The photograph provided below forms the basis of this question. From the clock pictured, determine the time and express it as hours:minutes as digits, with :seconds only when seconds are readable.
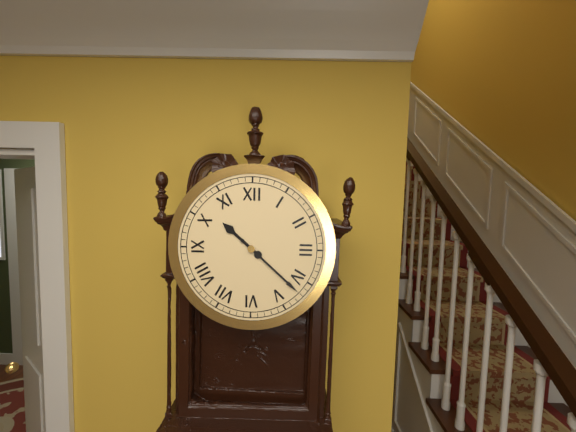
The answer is 10:22
